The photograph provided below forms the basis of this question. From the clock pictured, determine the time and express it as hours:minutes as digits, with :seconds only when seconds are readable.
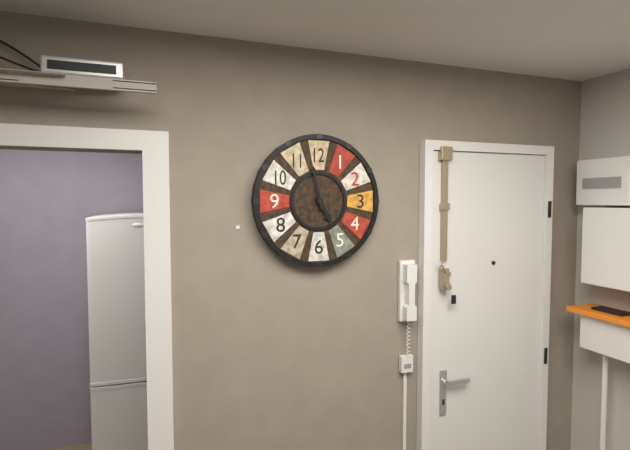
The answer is 4:58
